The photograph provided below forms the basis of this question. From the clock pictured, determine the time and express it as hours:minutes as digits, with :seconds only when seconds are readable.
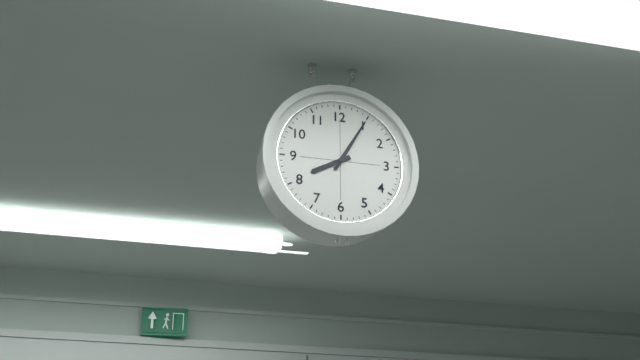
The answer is 8:05
